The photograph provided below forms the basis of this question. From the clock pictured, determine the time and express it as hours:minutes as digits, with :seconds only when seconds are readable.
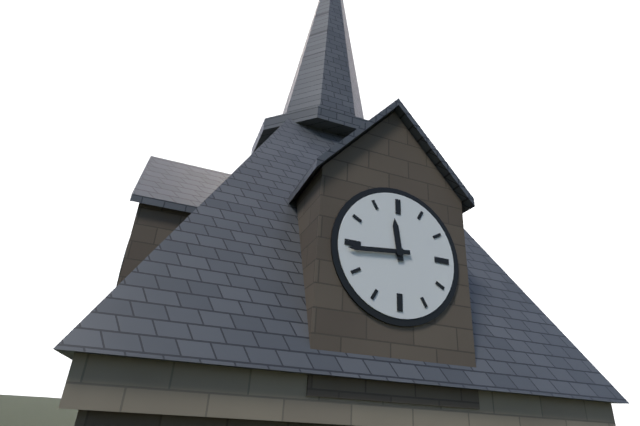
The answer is 11:44
